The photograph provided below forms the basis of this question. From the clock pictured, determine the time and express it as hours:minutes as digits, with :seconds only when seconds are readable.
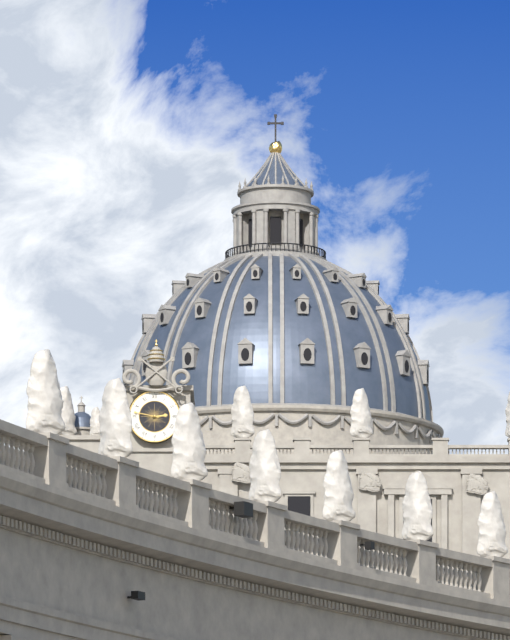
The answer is 2:47
